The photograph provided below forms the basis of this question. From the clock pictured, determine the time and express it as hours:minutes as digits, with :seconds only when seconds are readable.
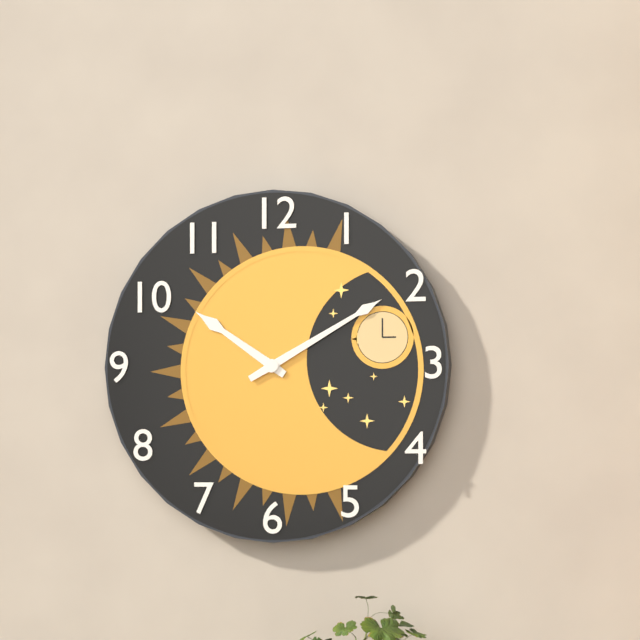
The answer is 10:10
